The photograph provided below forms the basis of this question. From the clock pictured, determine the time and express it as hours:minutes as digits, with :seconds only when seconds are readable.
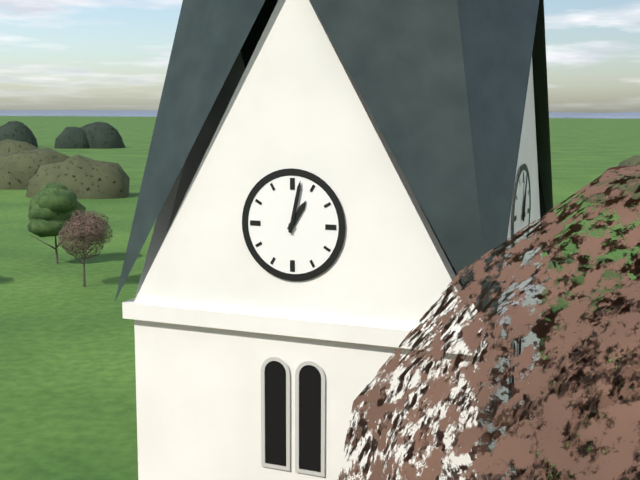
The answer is 1:02
